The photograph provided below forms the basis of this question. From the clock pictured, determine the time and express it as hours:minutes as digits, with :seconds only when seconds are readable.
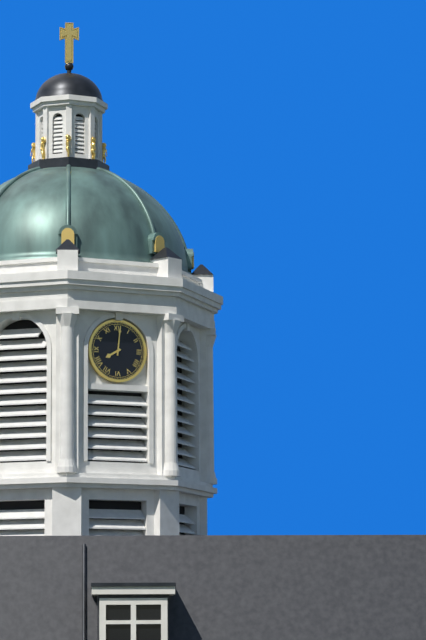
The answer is 8:01
